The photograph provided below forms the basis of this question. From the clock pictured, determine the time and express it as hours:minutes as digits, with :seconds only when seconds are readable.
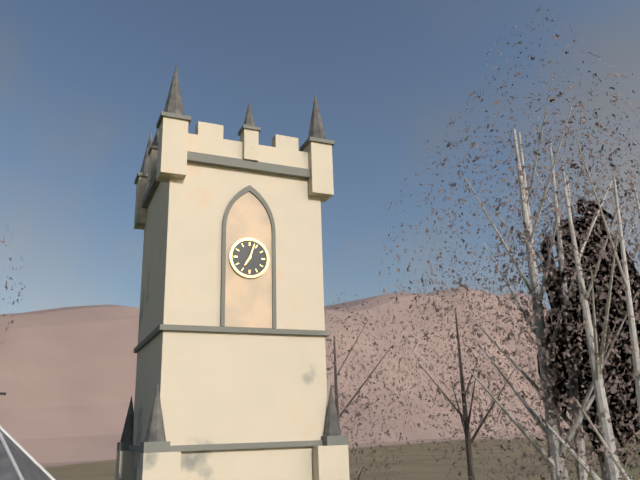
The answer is 7:03
